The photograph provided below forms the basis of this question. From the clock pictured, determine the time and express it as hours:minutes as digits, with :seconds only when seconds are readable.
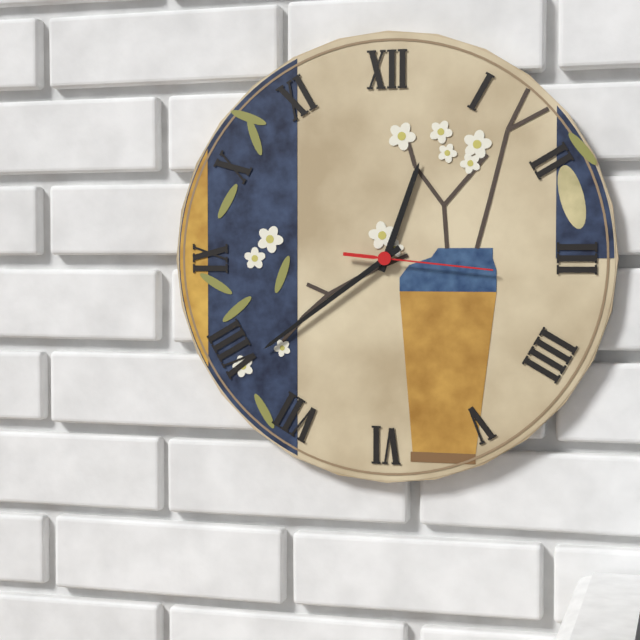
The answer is 12:39:16
